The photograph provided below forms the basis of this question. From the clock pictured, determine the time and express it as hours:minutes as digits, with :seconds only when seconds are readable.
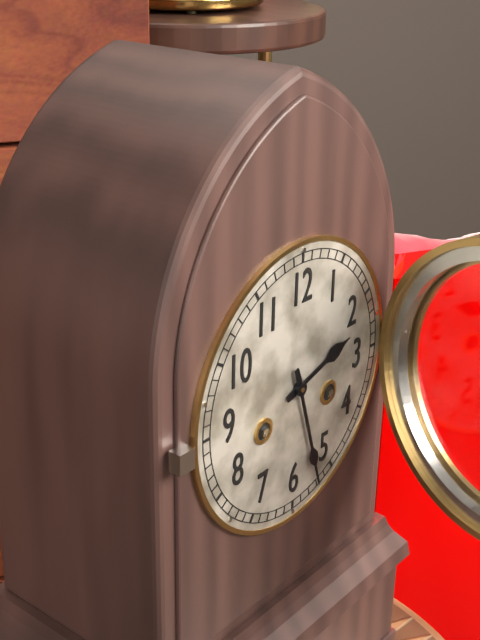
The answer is 2:27
